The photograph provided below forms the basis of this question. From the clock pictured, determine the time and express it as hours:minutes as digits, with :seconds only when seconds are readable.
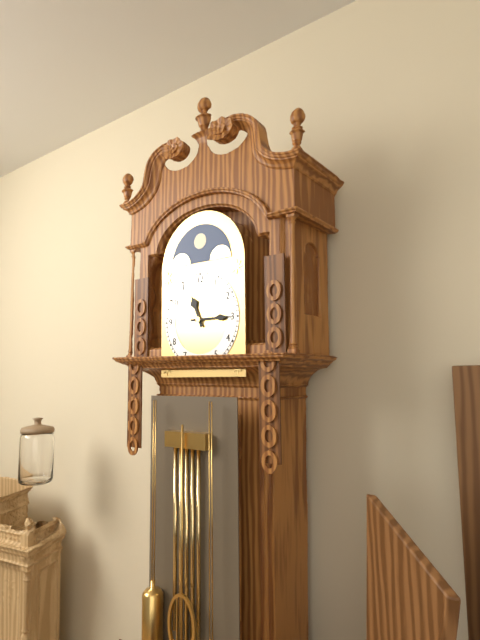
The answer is 11:15
